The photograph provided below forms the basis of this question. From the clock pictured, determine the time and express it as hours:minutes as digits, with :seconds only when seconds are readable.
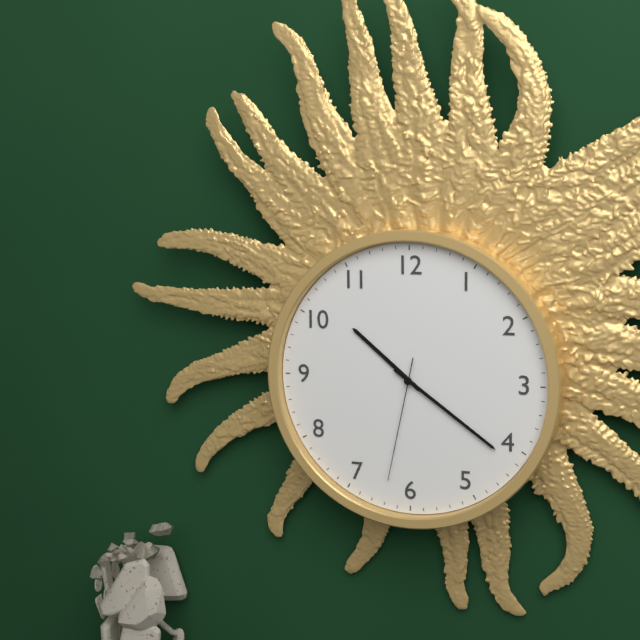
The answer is 10:21:32
